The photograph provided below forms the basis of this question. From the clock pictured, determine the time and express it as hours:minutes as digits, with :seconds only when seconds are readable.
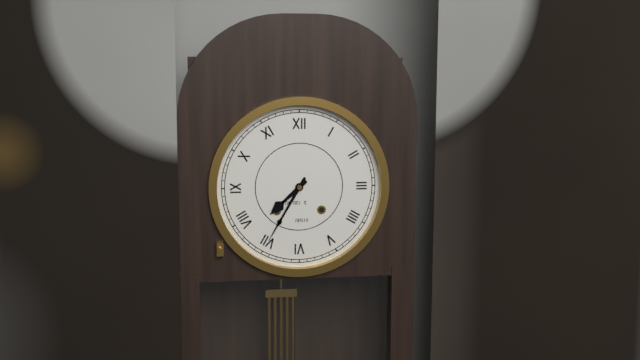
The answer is 7:35
